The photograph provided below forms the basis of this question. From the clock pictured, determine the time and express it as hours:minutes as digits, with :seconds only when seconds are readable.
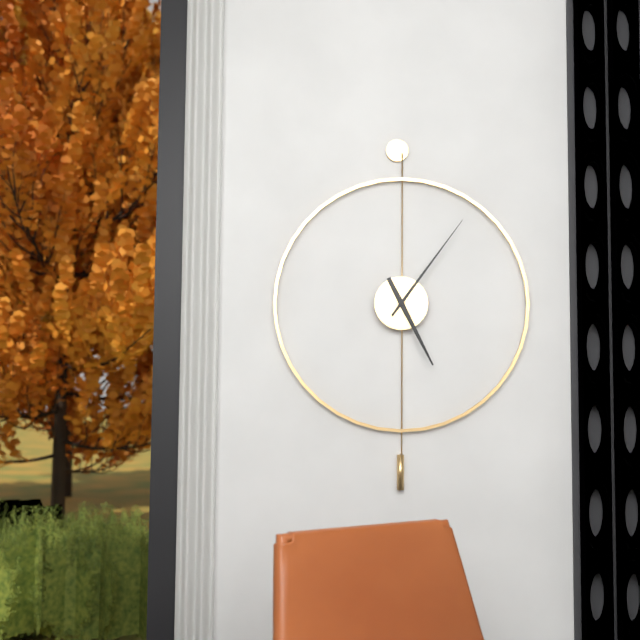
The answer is 5:06
